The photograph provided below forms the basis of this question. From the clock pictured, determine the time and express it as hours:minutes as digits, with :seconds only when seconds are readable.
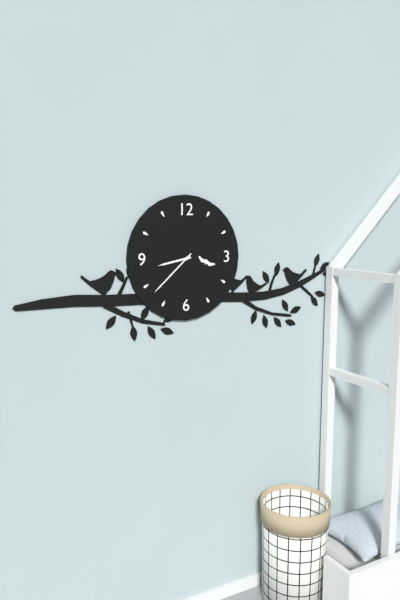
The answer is 8:38
